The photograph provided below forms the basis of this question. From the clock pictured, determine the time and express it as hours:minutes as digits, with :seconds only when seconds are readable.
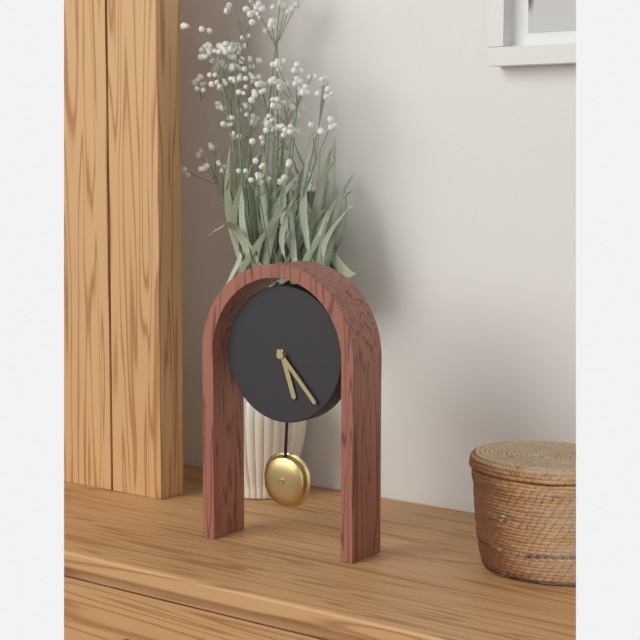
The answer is 5:23
